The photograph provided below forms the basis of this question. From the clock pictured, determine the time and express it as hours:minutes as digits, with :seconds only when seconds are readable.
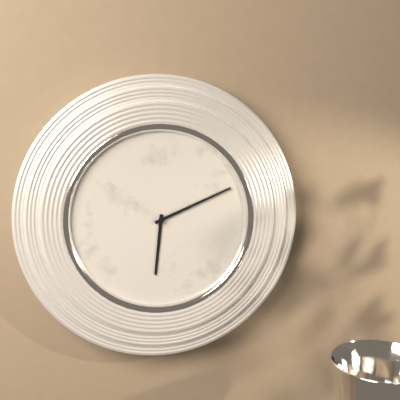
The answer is 6:11
